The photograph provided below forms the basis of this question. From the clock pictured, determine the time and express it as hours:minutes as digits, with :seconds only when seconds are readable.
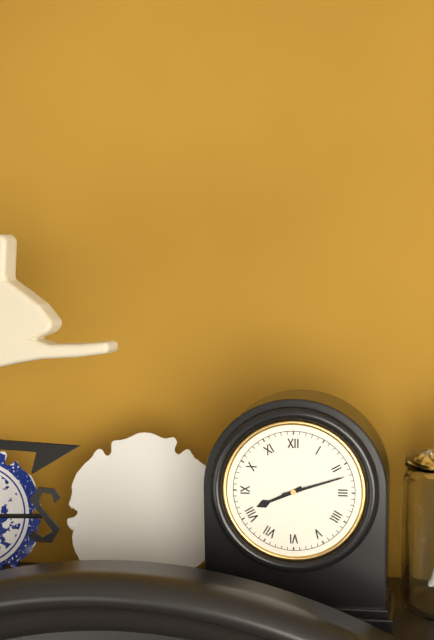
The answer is 8:12
